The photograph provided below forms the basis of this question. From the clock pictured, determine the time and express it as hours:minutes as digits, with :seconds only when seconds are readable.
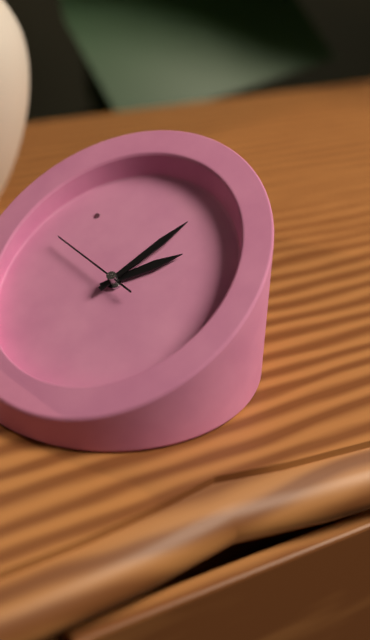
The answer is 4:18:02
